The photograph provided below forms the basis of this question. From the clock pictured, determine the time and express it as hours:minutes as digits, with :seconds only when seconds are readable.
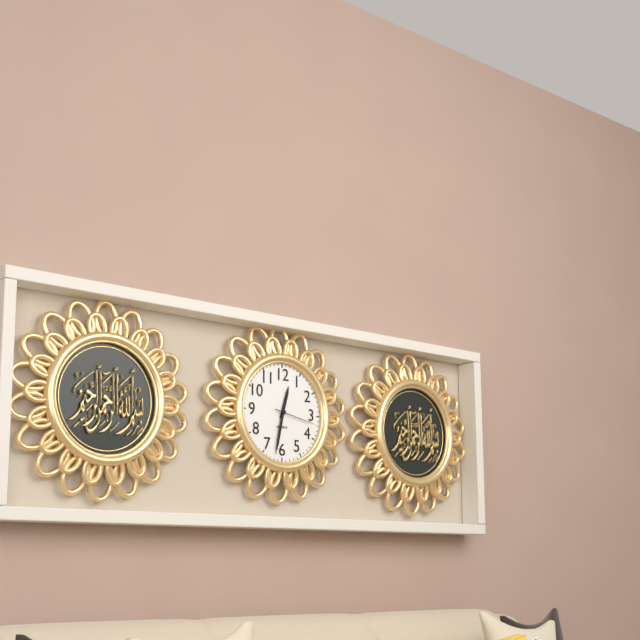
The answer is 12:32
